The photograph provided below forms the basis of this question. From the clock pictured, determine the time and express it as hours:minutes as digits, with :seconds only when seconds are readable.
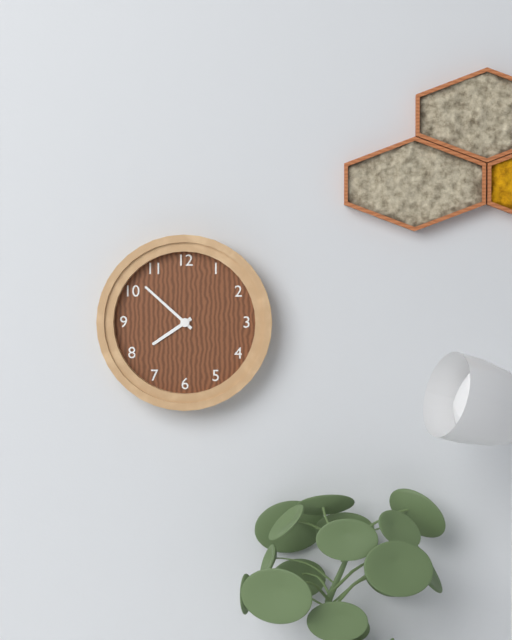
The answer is 7:52
